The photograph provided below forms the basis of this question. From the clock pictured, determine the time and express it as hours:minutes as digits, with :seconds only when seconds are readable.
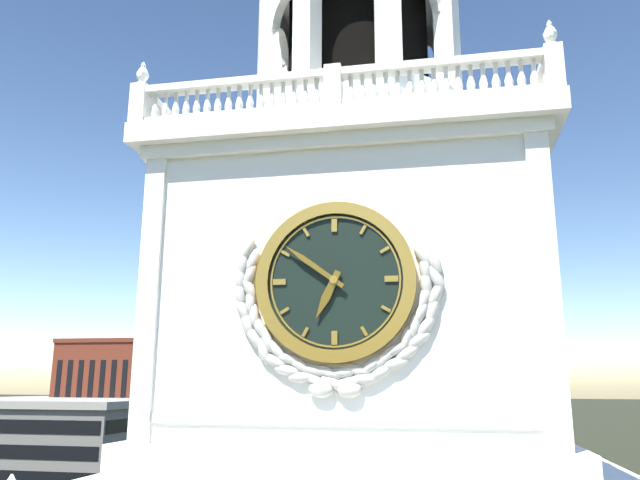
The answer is 6:51
